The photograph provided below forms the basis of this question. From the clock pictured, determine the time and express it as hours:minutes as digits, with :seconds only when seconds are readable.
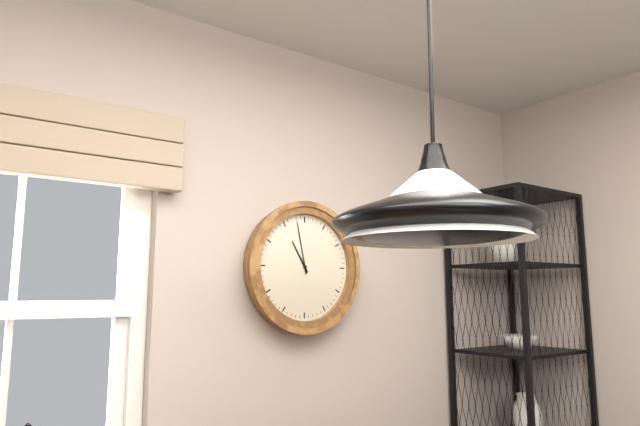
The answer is 10:58
